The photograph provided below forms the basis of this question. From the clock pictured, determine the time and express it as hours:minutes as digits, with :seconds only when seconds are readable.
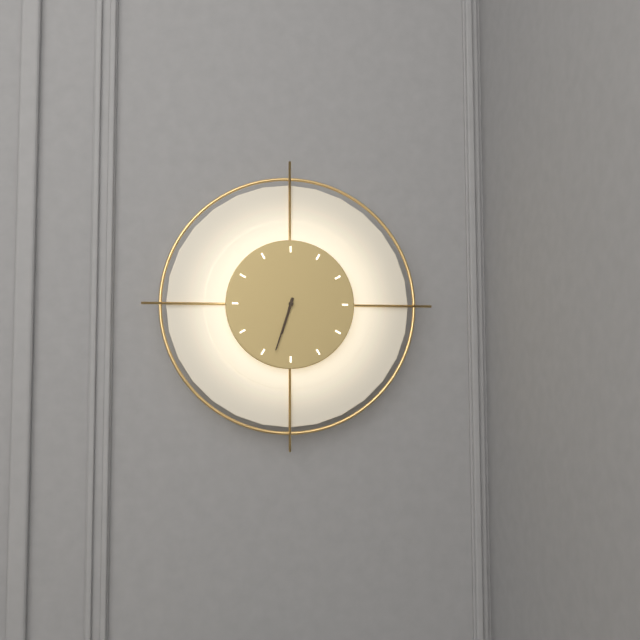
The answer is 6:33
